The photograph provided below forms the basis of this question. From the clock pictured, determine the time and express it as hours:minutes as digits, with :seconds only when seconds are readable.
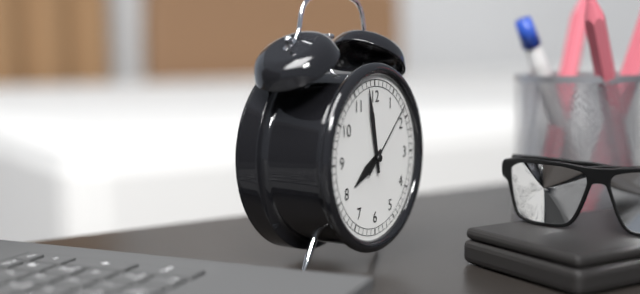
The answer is 7:58:08
